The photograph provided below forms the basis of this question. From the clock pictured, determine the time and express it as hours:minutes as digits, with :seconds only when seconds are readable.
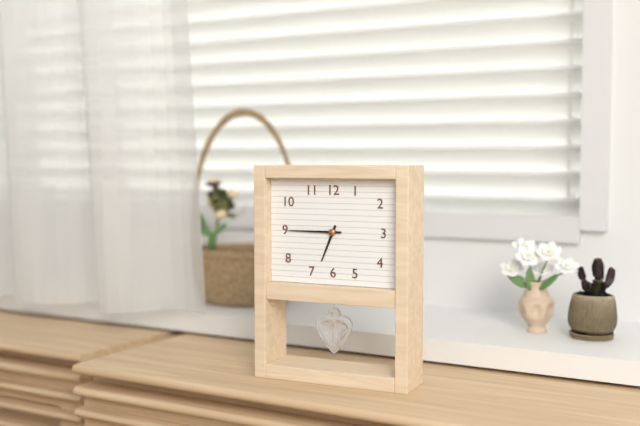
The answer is 6:45
